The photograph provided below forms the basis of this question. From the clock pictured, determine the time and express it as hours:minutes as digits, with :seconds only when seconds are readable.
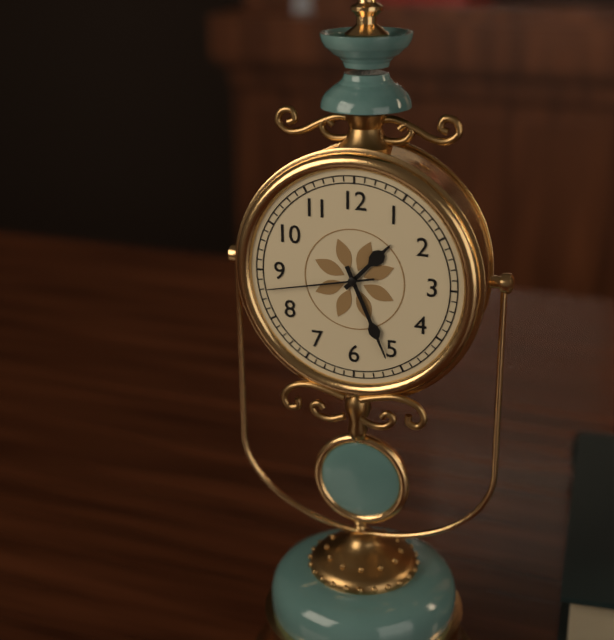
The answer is 1:26:43
